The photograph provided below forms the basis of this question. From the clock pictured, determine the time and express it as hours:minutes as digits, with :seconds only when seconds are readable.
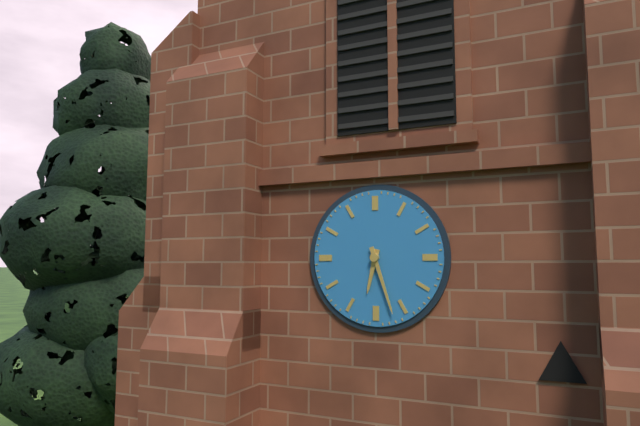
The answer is 6:27
